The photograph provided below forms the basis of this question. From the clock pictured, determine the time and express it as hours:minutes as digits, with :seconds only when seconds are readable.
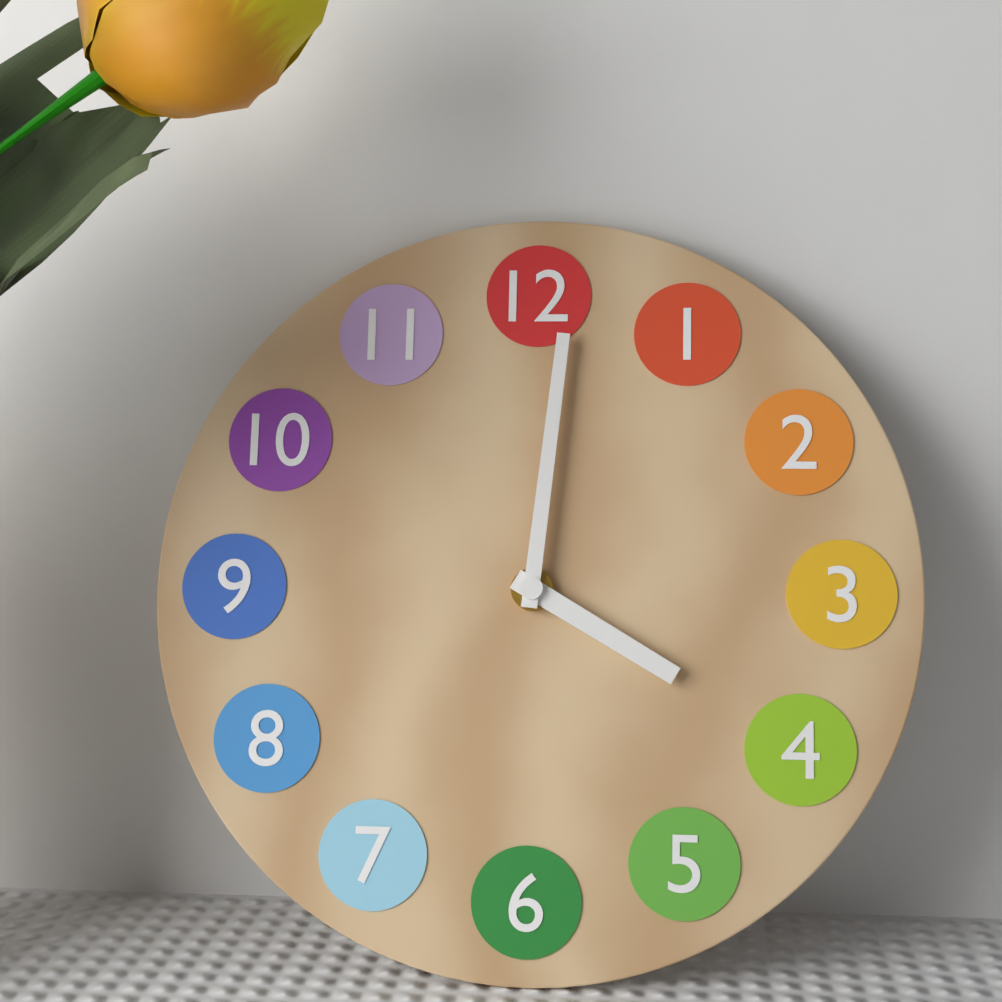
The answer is 4:01
